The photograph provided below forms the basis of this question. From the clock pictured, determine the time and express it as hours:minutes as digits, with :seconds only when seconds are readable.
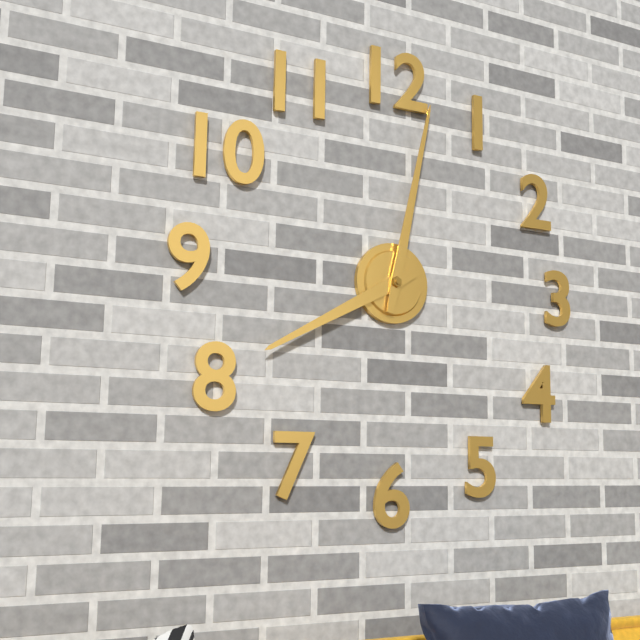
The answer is 8:02
